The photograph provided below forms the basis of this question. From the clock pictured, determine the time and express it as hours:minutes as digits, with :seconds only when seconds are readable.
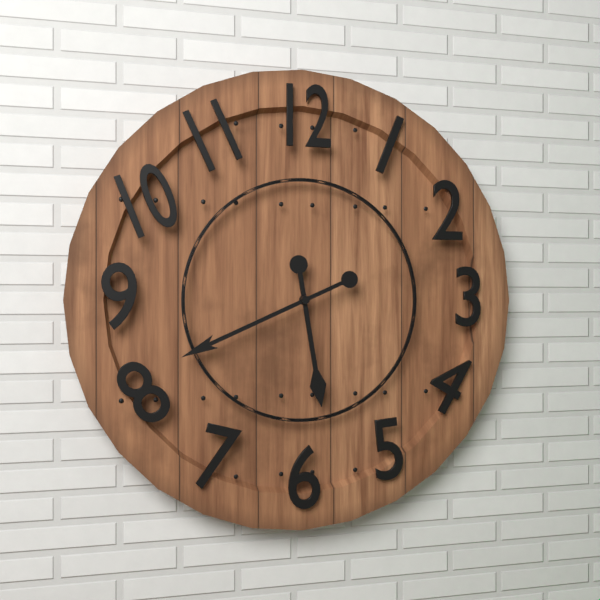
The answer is 5:41
